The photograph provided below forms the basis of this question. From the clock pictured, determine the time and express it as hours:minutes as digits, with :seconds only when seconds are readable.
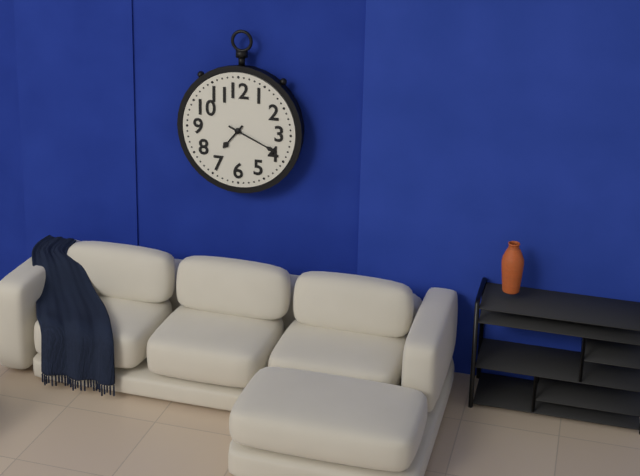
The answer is 7:19
